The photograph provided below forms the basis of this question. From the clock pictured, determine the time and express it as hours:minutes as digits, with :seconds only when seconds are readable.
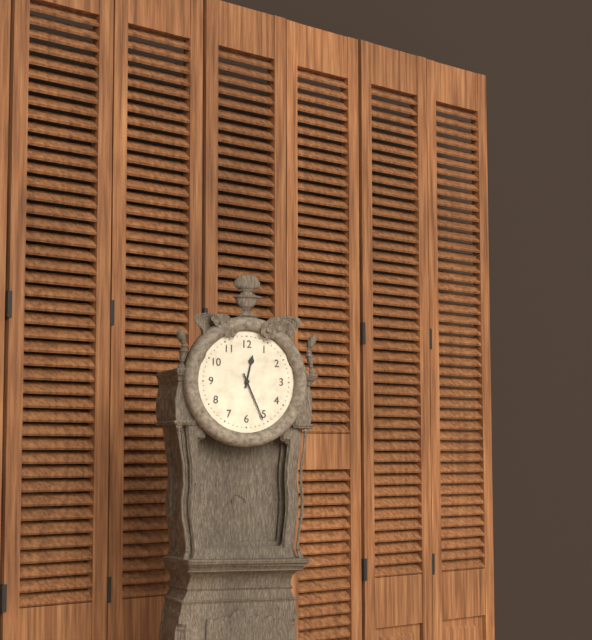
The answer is 12:26
